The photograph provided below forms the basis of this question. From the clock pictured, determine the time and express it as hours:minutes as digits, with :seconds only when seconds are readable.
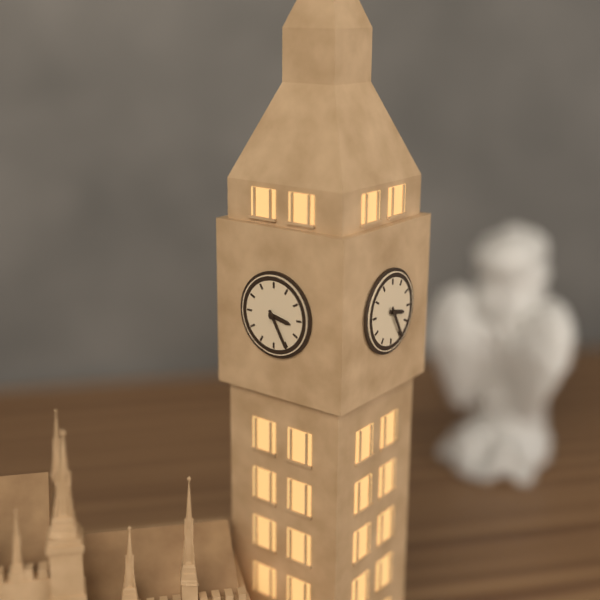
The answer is 3:25
